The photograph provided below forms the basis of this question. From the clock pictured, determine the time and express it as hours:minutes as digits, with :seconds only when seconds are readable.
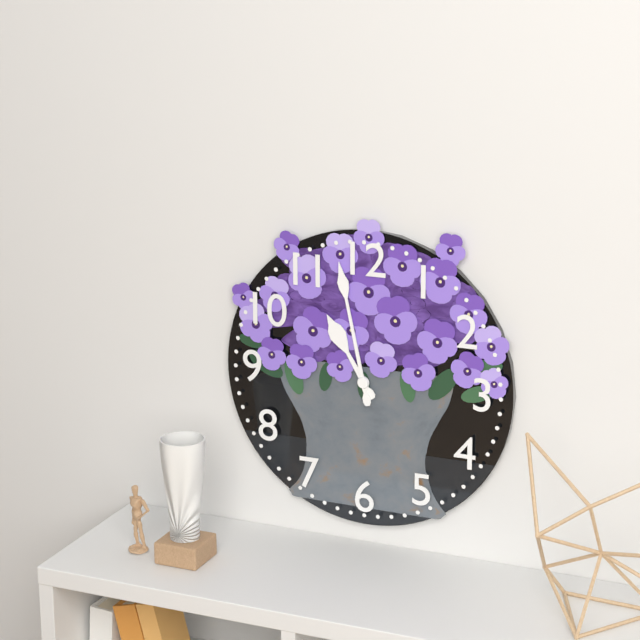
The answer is 10:58
